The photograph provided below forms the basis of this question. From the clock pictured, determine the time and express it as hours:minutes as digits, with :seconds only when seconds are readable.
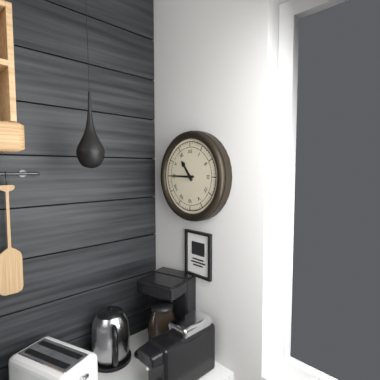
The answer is 10:45
